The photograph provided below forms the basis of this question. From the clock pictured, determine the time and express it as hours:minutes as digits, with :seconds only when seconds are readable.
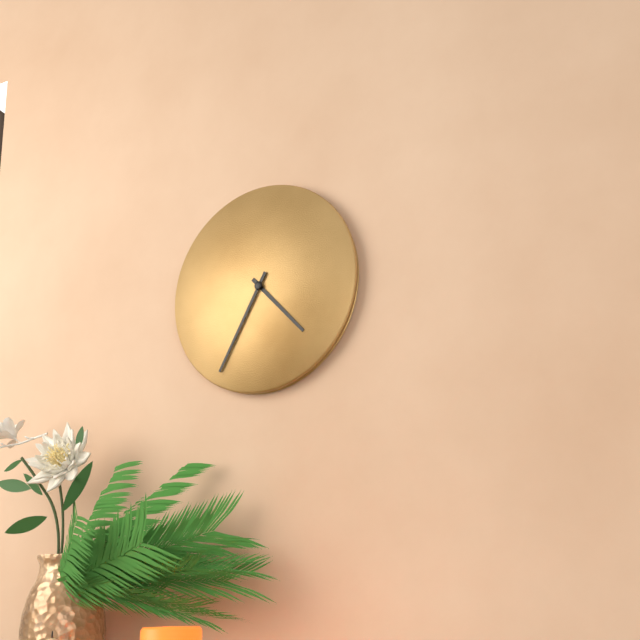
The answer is 4:35
